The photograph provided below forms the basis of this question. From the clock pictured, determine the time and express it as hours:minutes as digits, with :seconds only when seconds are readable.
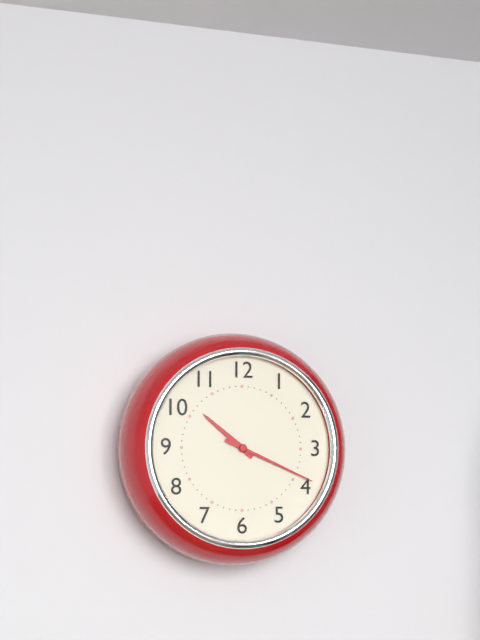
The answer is 10:19
